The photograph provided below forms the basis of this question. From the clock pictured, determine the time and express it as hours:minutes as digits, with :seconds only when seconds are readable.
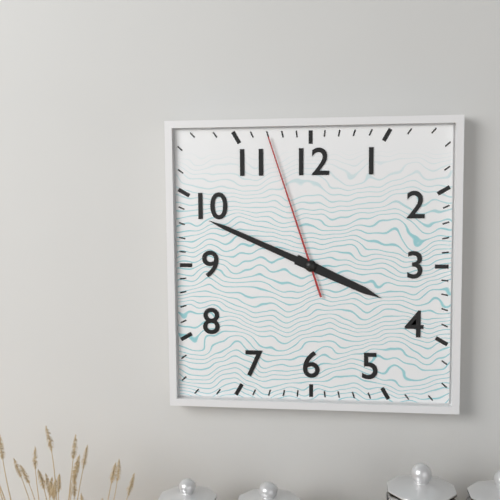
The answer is 3:49:57
